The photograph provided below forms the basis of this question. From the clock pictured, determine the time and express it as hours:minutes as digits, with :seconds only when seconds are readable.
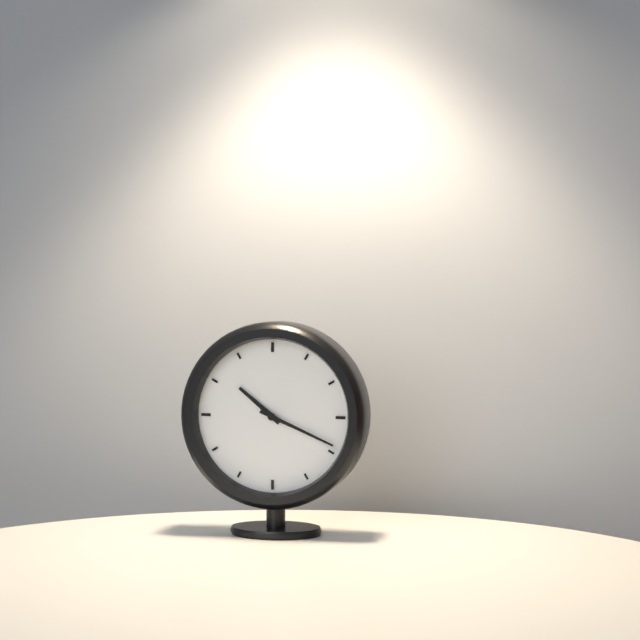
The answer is 10:19
